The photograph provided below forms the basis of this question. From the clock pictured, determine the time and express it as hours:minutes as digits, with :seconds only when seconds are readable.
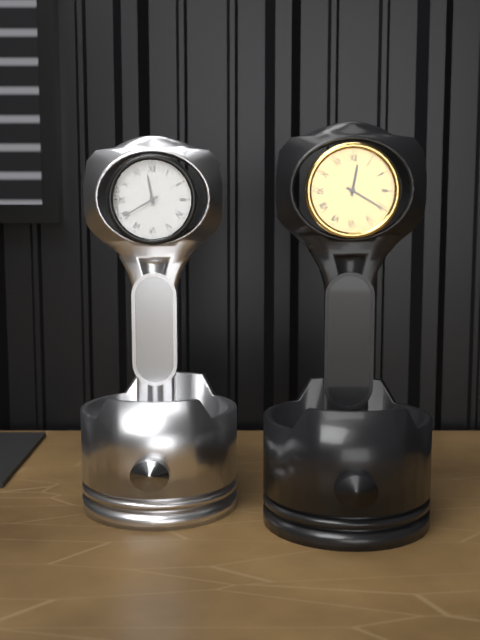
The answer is 11:40
